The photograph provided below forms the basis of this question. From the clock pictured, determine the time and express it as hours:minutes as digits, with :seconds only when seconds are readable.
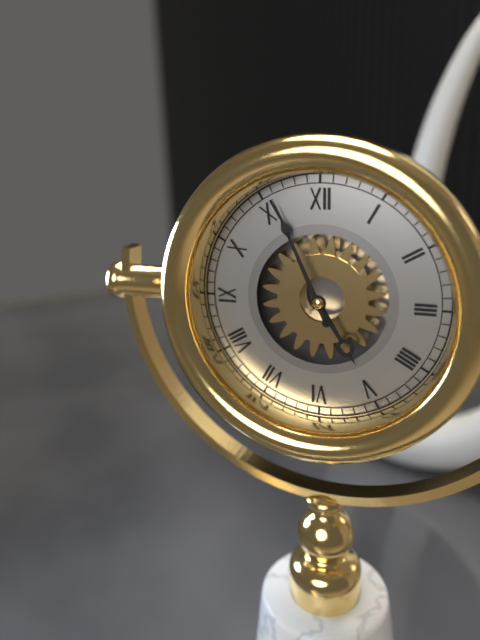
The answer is 4:56
